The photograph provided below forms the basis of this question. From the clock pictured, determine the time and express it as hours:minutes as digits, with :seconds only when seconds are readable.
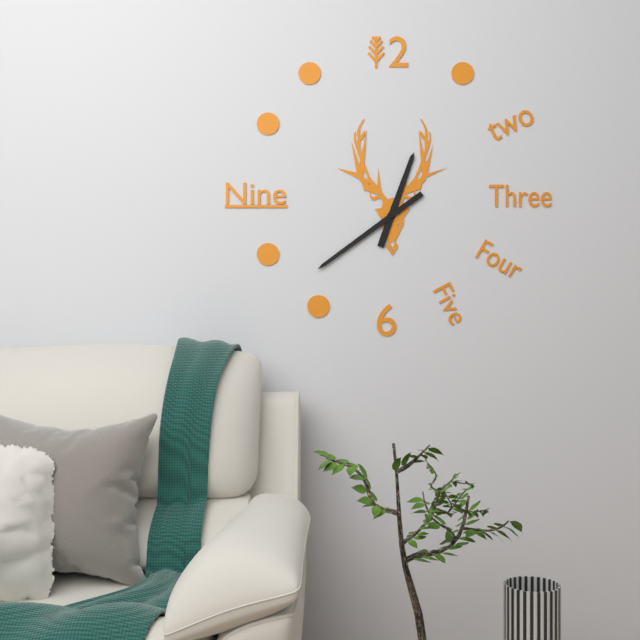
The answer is 12:39
